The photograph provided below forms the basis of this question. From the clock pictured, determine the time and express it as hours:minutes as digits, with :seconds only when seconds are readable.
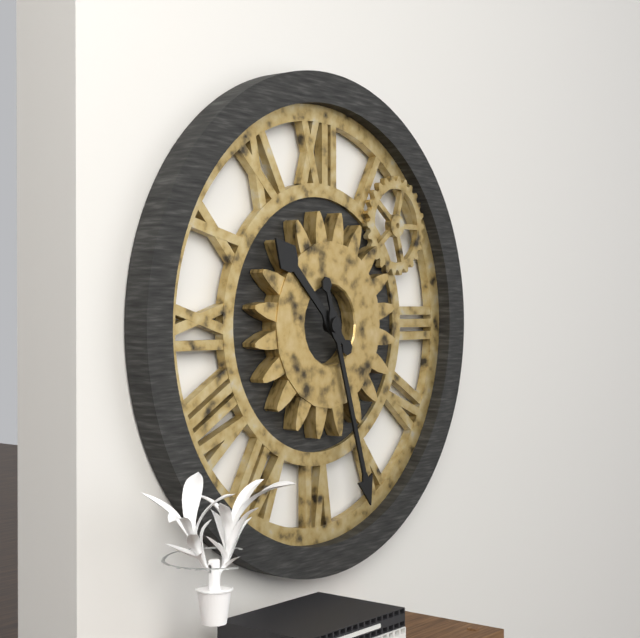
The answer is 10:27
